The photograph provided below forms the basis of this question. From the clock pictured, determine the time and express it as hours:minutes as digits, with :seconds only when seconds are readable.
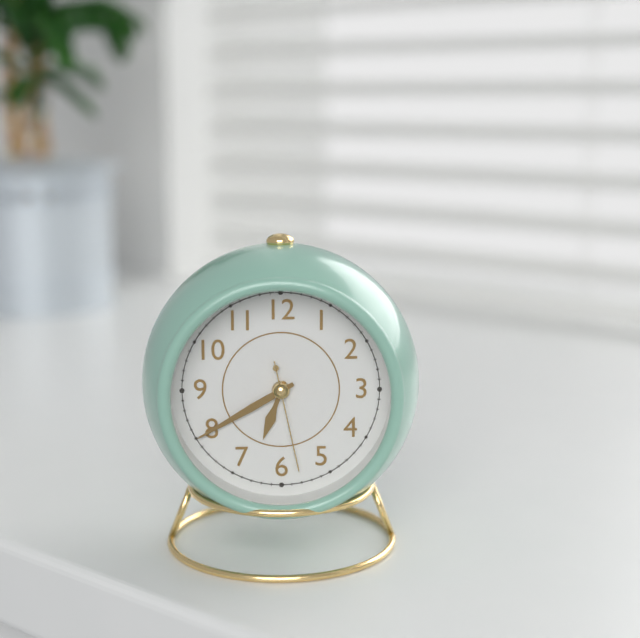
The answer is 6:40:28
